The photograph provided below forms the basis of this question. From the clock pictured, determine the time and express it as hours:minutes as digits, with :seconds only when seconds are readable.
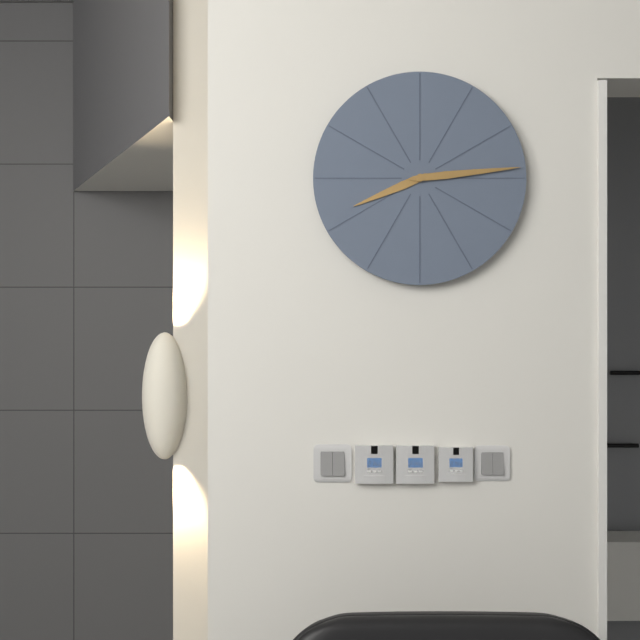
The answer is 8:14
